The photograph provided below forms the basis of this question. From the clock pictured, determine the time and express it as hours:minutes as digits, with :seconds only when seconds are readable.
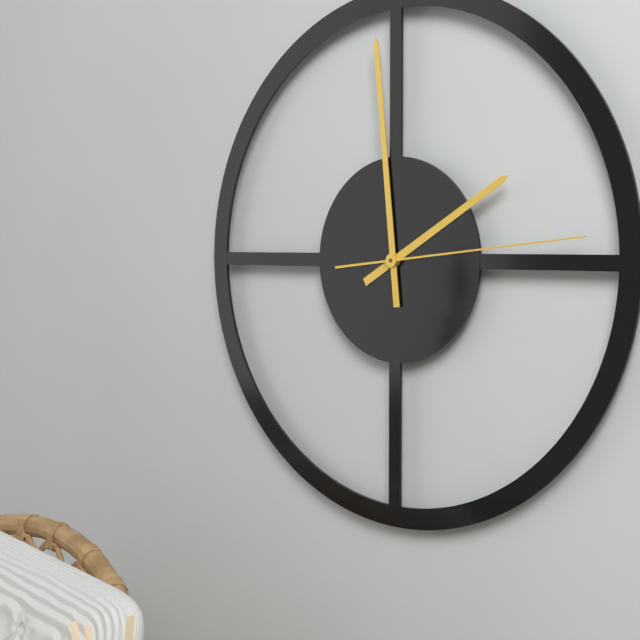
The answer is 1:59:14
